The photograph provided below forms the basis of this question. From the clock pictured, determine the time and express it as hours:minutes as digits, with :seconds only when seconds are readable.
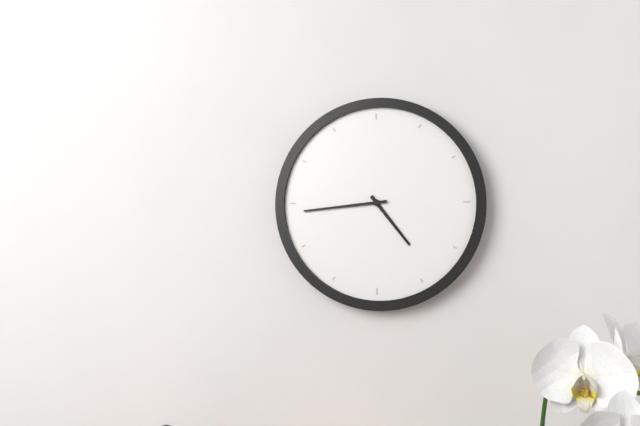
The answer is 4:44
